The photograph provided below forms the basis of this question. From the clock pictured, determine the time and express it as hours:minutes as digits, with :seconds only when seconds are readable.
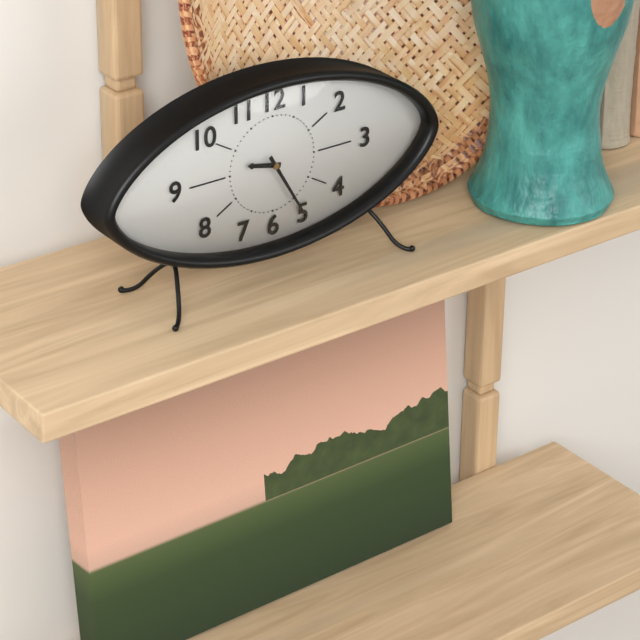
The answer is 9:25
